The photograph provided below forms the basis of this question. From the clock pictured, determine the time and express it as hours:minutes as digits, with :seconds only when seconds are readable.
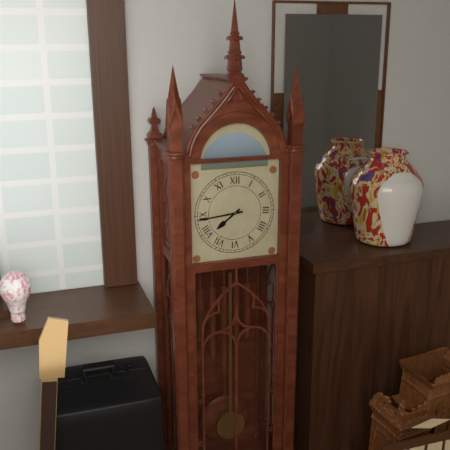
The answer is 7:44
